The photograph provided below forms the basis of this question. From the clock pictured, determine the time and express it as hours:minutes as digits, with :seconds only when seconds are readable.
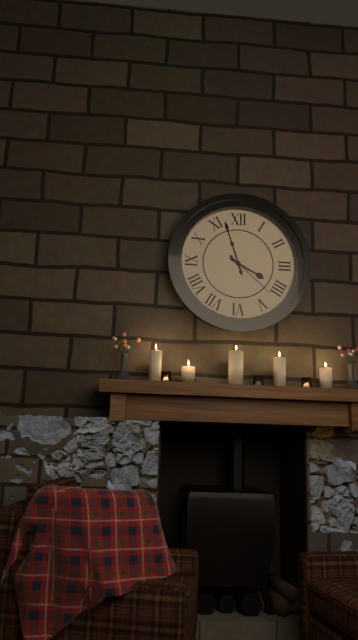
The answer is 3:57:22
